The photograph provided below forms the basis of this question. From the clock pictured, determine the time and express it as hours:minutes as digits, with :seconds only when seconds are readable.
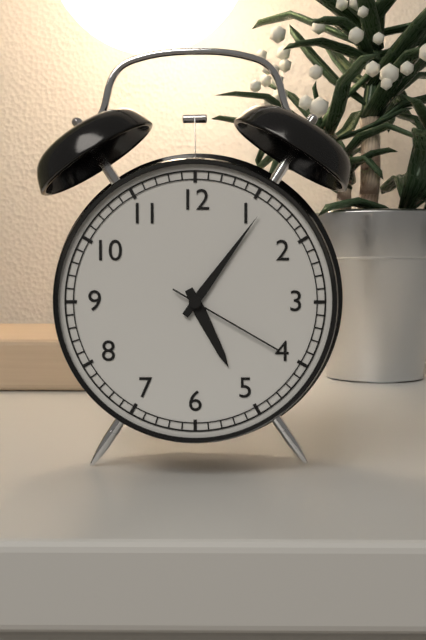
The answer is 5:06:20
